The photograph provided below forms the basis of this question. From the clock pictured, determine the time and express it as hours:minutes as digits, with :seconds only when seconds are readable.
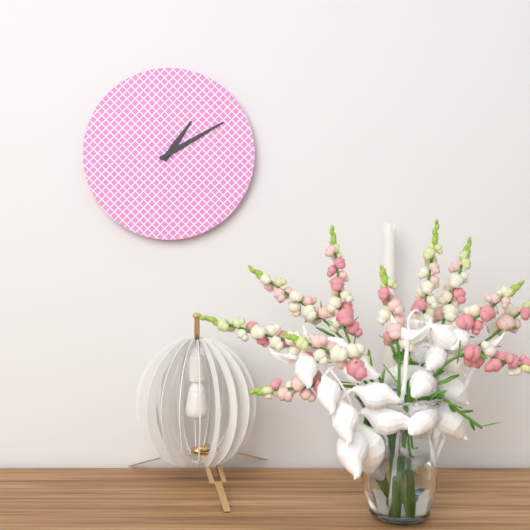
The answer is 1:10
